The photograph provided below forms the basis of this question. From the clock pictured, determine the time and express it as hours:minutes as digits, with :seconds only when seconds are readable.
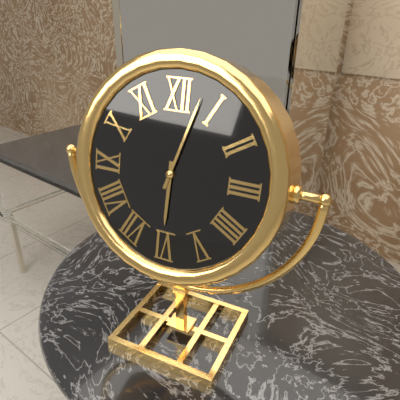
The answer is 6:03
